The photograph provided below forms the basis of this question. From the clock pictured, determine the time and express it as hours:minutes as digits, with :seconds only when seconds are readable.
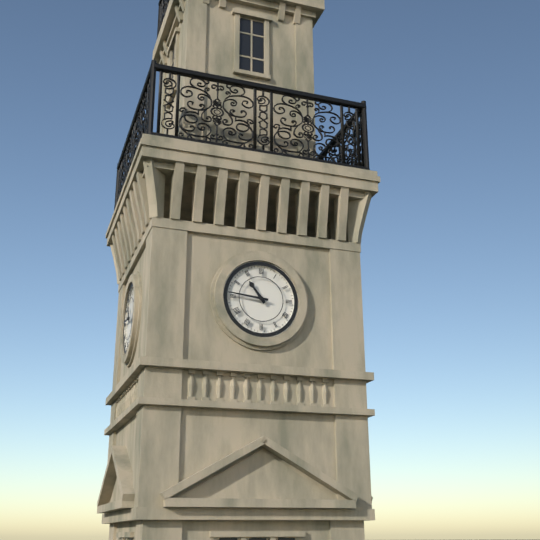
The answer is 10:46
